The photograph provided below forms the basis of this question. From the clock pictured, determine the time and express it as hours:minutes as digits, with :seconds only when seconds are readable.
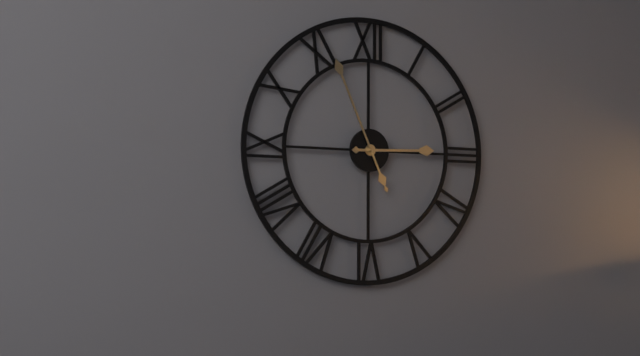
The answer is 2:56
